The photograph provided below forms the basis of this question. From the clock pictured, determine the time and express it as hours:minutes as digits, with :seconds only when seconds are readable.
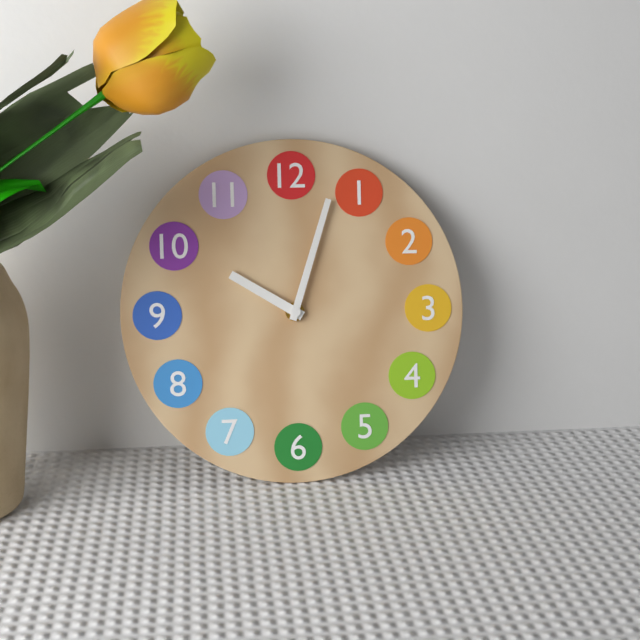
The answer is 10:03
